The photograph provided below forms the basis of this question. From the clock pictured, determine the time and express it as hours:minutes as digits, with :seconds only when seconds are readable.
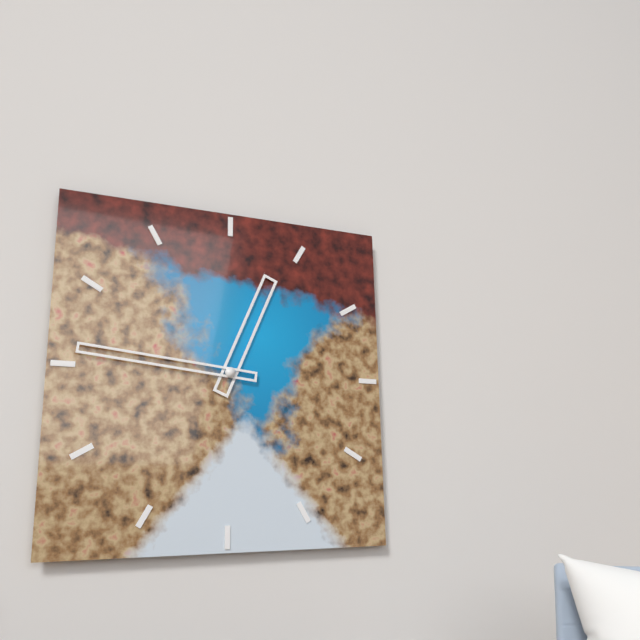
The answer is 12:46
